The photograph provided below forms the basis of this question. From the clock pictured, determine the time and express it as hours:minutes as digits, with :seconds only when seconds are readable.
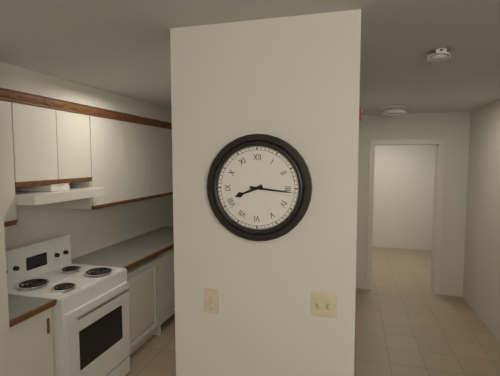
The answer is 8:16
